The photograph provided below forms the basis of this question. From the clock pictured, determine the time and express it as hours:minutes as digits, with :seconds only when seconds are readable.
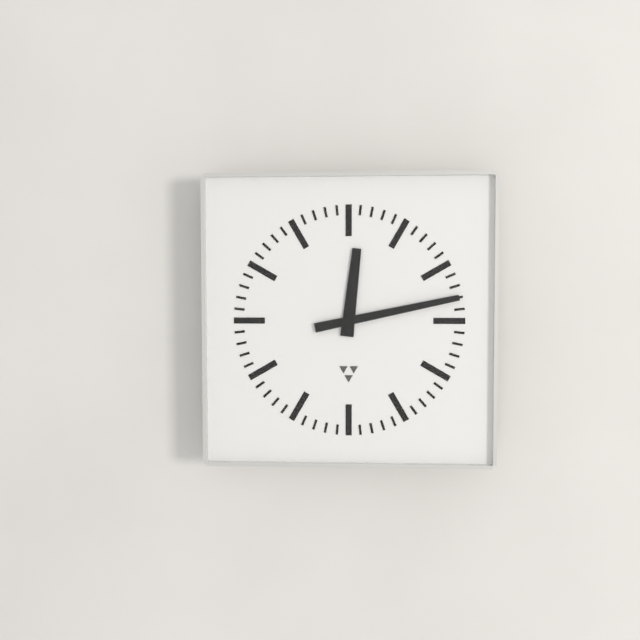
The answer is 12:13
